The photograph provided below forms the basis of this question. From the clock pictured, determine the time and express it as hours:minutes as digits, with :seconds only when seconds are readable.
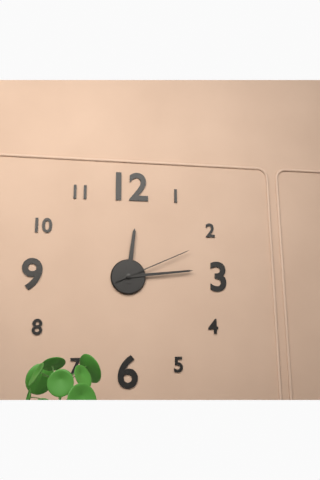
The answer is 12:14:11
